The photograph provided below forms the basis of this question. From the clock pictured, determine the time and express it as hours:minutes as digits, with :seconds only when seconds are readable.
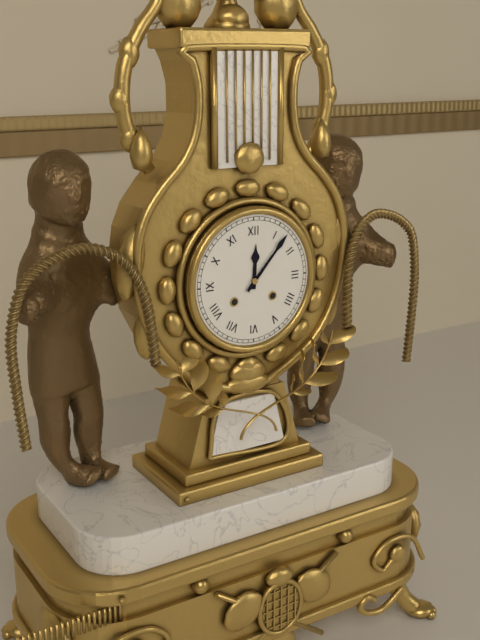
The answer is 12:07
